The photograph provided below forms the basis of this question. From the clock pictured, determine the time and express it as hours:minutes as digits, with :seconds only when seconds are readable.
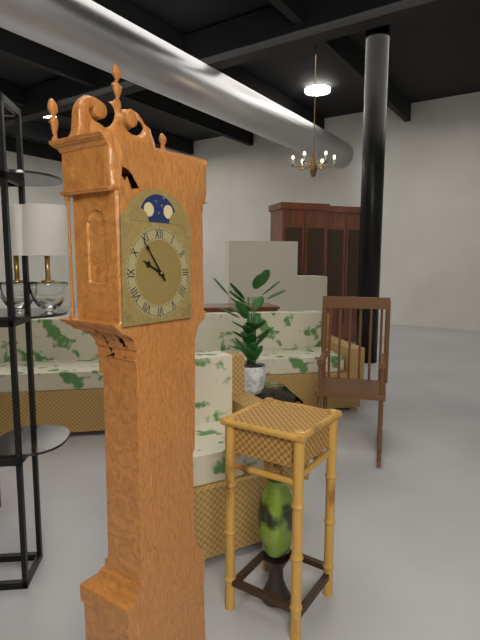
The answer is 9:54
